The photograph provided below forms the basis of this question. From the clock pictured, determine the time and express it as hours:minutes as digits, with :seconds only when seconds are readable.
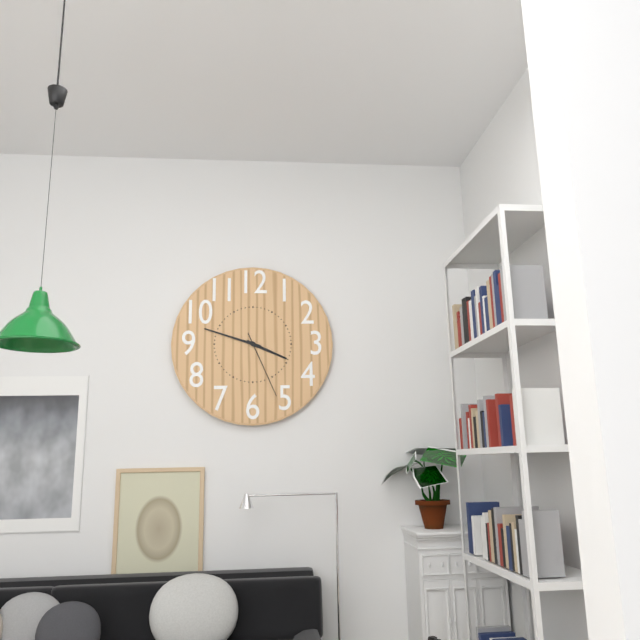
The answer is 3:48:26
